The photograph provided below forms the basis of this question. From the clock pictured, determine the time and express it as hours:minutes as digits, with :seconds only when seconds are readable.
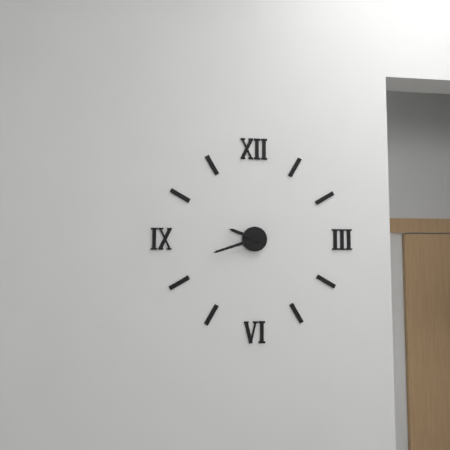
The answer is 9:42
